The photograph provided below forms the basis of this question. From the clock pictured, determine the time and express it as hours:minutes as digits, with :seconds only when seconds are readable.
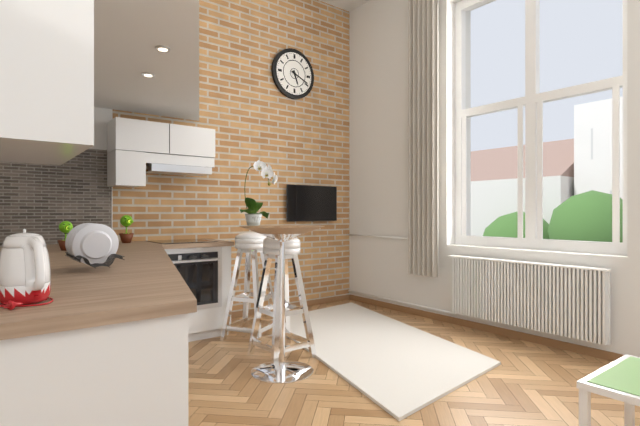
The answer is 5:19
